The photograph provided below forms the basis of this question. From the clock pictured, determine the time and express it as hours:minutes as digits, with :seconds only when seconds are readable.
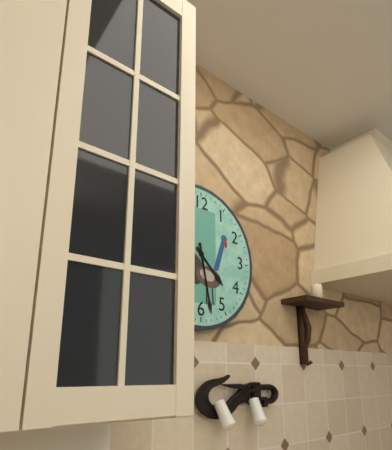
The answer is 4:28
